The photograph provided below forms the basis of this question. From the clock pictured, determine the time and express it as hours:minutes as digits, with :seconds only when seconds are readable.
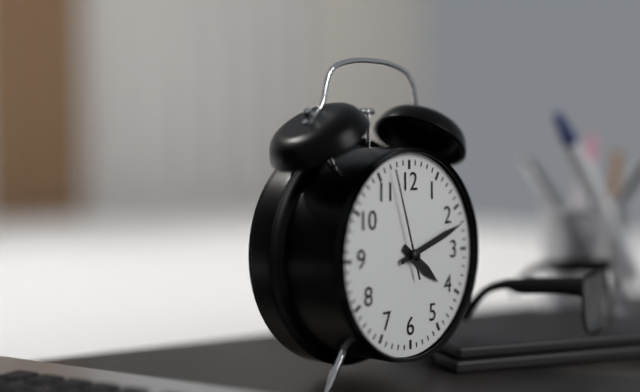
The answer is 4:12:57
